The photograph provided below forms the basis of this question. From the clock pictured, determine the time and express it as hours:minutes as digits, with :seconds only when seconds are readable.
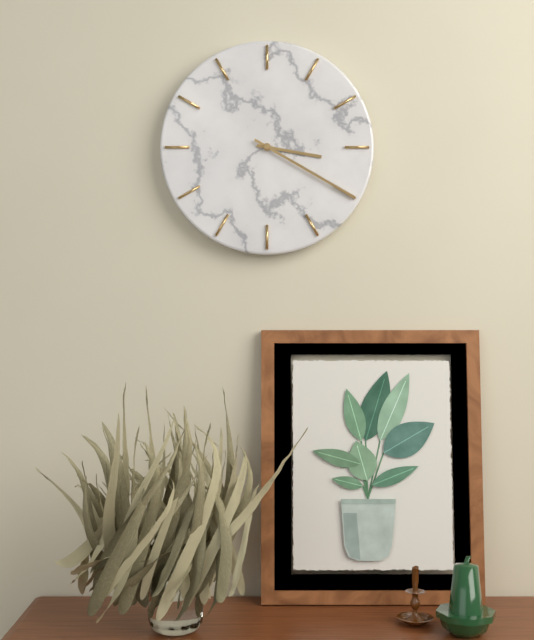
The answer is 3:20
